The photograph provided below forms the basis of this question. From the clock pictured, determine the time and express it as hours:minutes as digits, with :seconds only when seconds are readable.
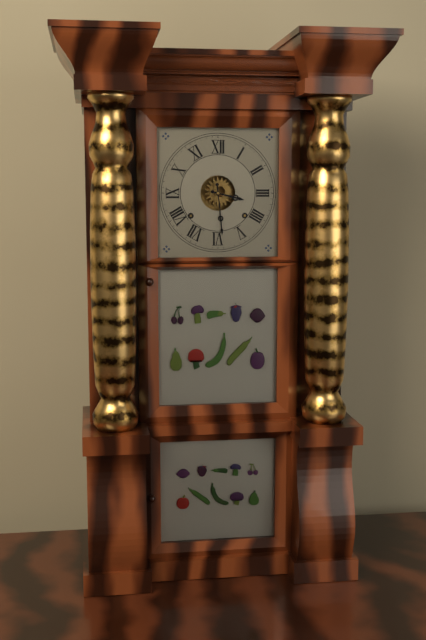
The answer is 3:29
